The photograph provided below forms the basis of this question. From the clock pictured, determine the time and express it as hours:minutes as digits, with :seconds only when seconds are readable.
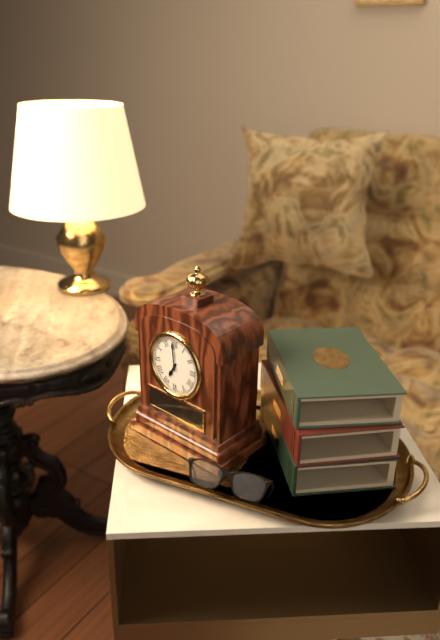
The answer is 6:59
